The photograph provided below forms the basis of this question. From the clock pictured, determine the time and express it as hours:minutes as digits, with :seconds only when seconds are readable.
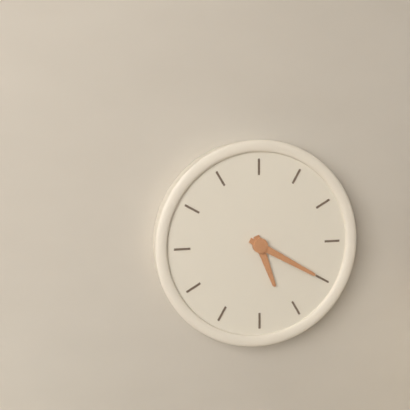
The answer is 5:20
